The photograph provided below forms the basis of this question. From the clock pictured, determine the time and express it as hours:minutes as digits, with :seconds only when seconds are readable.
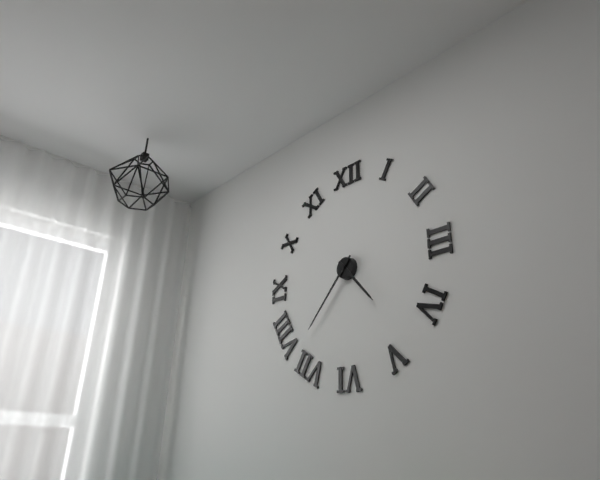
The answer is 4:37
